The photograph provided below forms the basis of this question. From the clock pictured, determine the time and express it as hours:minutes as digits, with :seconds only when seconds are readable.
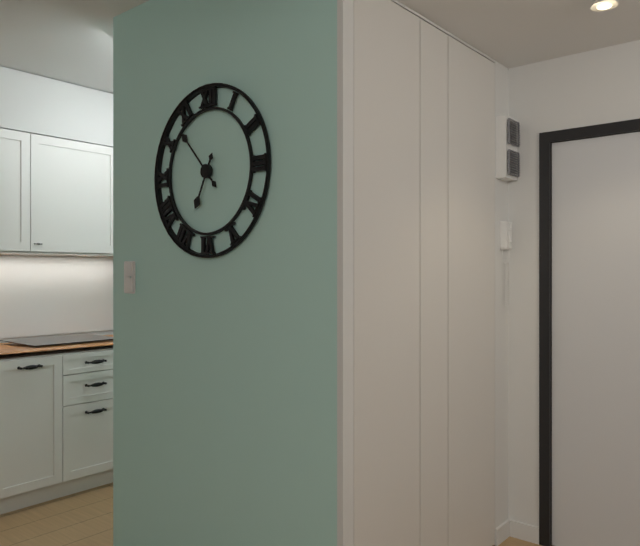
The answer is 6:53
